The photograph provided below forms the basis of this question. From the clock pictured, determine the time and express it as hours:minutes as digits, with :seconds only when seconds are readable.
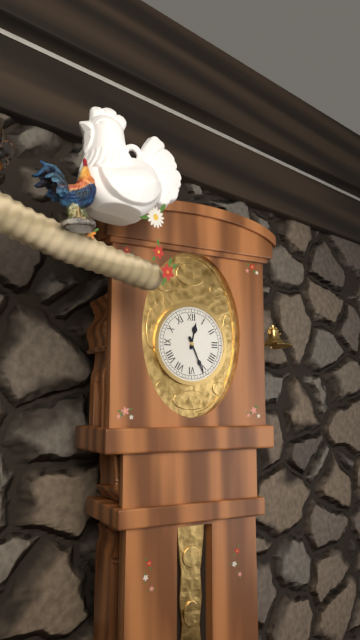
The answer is 12:26
